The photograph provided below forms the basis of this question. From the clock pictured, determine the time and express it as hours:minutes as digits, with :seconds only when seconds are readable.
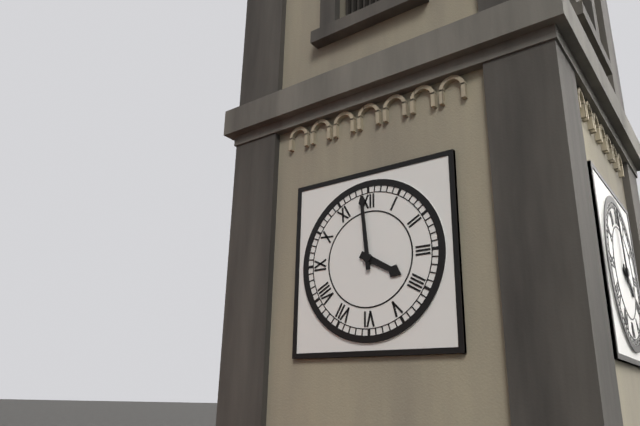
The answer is 3:59
